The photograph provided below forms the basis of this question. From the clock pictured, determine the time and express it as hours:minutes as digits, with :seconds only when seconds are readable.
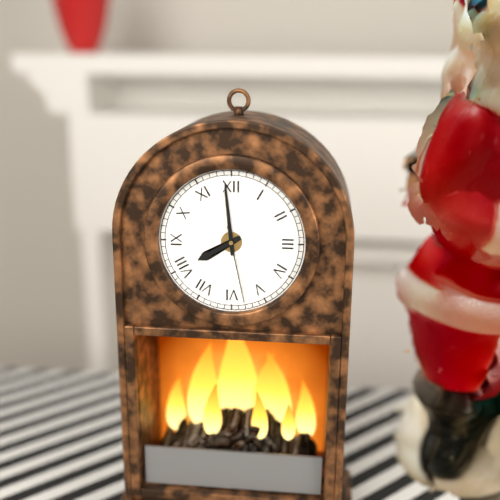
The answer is 7:59:28
